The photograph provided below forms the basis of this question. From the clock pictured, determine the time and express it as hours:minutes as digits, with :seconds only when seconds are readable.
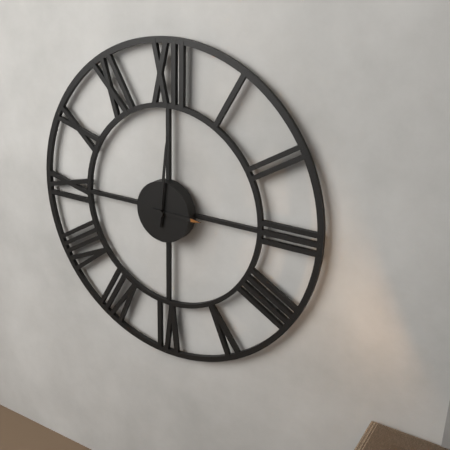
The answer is 3:01
